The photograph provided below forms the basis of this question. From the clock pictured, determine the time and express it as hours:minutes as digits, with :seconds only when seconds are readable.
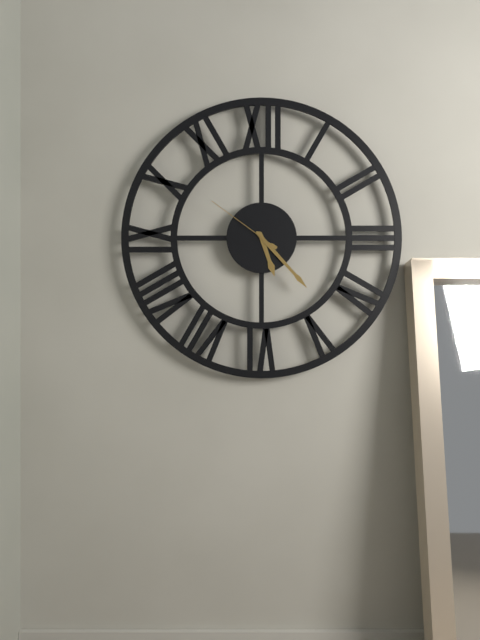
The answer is 5:23:51
